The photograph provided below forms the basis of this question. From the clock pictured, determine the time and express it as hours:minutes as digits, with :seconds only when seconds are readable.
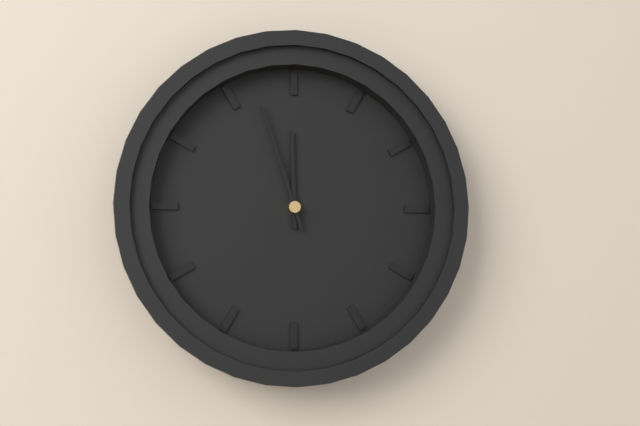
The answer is 11:57
